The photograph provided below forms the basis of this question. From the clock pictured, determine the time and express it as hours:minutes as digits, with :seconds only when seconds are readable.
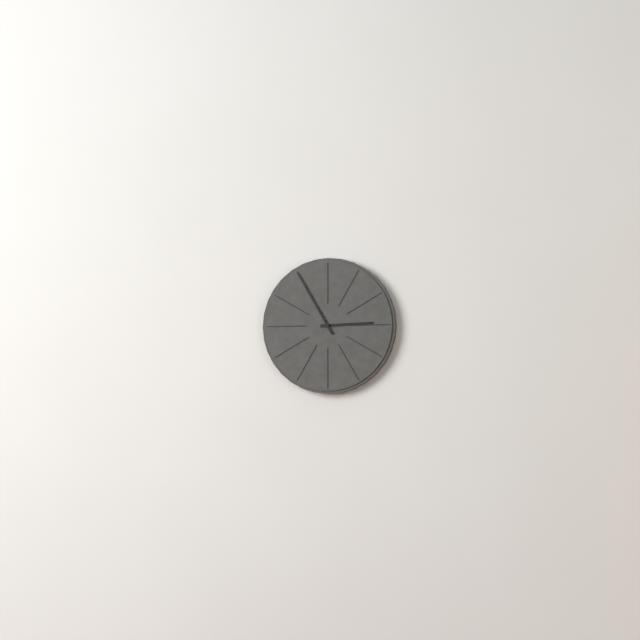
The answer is 2:55
